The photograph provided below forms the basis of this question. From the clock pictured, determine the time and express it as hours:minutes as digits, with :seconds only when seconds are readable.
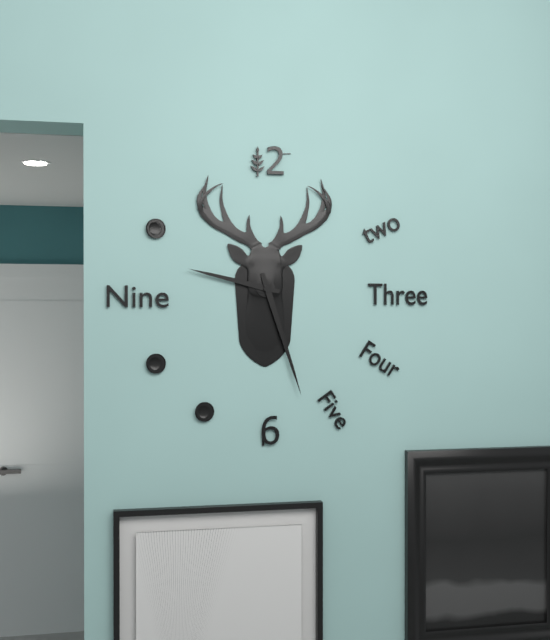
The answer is 9:27
